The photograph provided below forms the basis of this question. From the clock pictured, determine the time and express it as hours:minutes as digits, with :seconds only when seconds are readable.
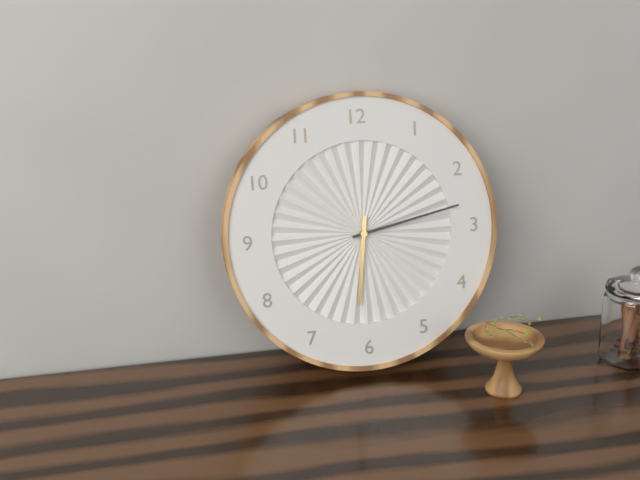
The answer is 6:13
